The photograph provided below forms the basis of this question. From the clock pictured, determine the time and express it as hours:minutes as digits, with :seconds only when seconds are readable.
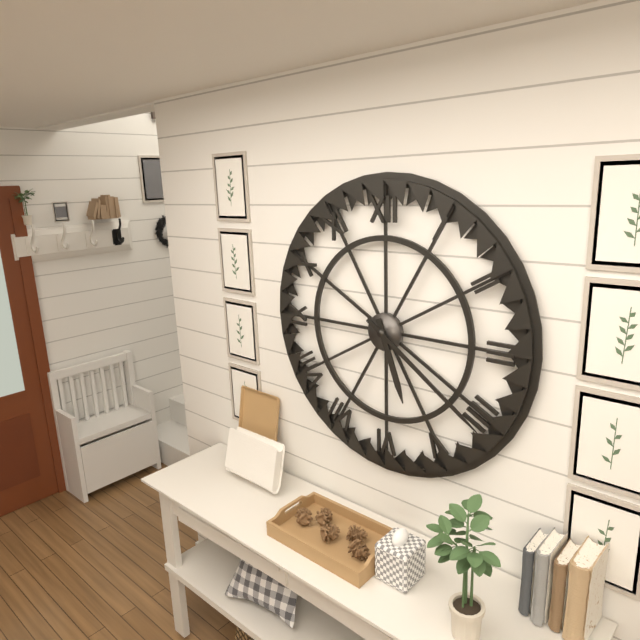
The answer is 5:21
